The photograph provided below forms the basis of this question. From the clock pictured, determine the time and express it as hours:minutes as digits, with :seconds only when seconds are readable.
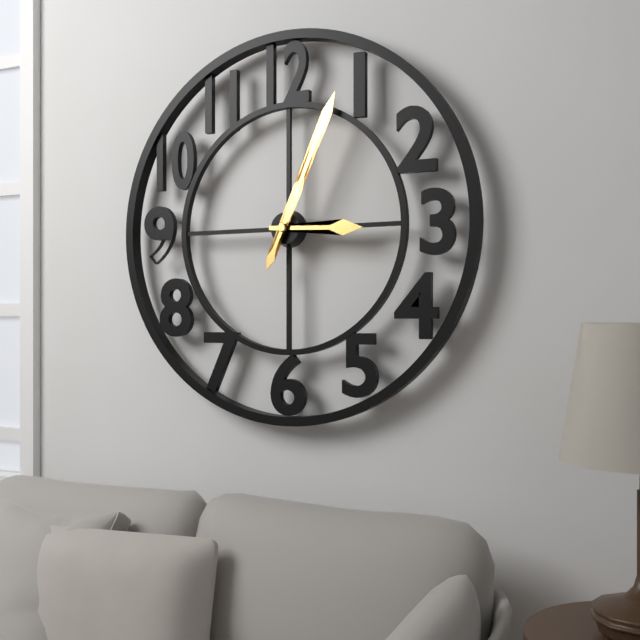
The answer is 3:04
